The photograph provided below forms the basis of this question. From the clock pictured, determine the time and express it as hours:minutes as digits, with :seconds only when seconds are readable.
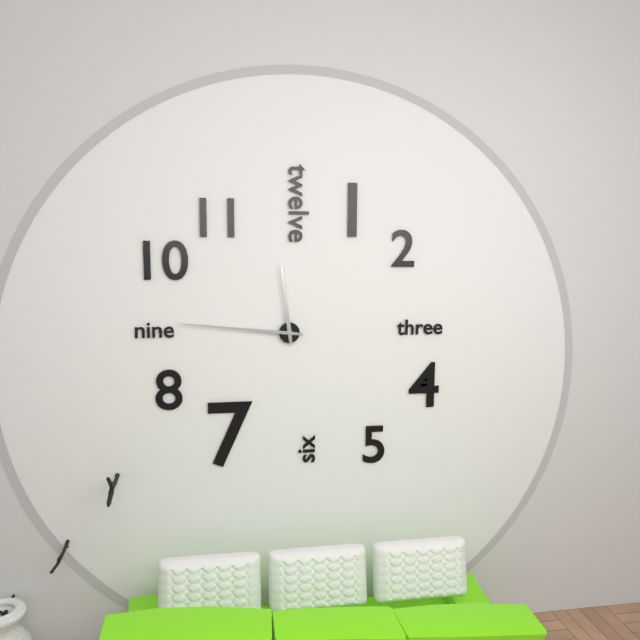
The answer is 11:46
